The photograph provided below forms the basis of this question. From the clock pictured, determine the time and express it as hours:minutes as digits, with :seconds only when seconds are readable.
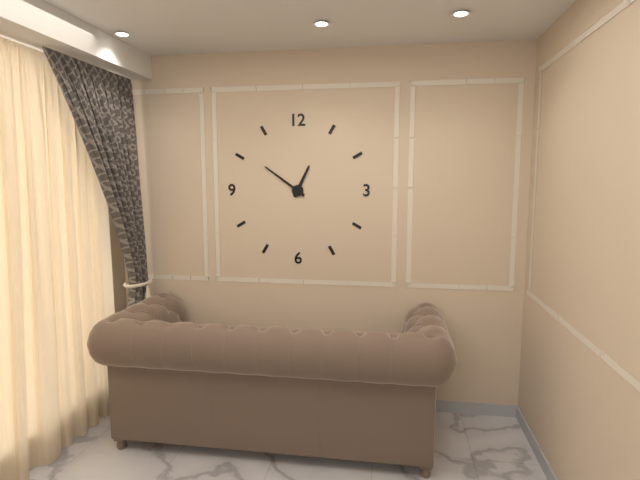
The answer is 12:51
